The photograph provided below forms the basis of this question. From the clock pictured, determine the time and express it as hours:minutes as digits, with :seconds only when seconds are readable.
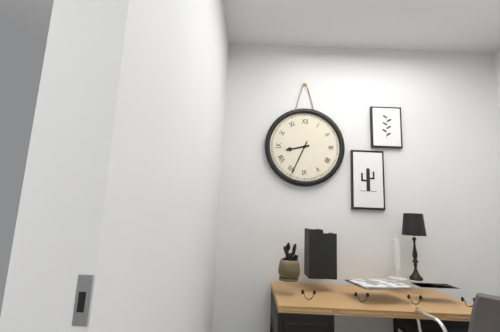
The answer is 8:34
